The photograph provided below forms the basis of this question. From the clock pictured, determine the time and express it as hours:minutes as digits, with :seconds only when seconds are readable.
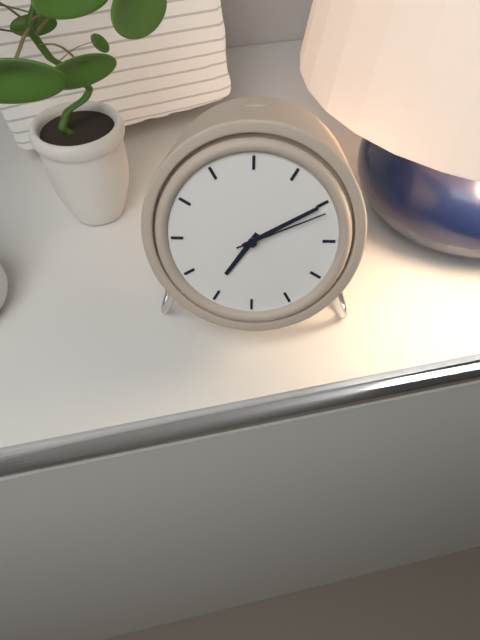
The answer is 7:10:11
